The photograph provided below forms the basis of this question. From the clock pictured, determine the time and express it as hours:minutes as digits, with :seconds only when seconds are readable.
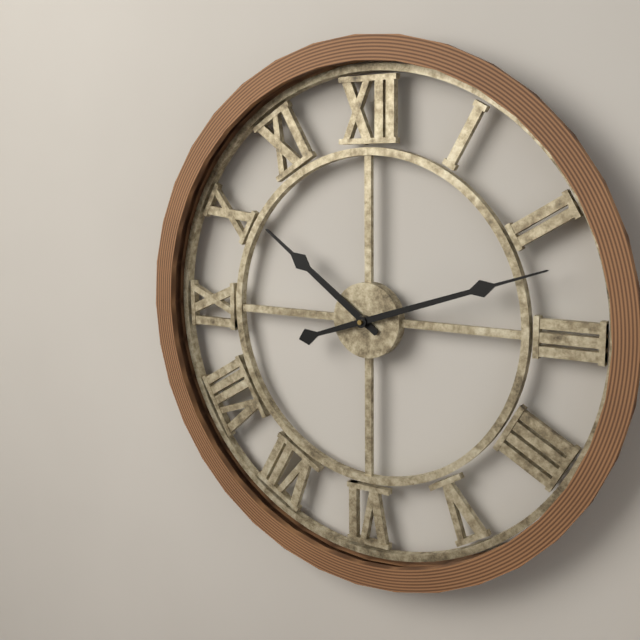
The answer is 10:12
